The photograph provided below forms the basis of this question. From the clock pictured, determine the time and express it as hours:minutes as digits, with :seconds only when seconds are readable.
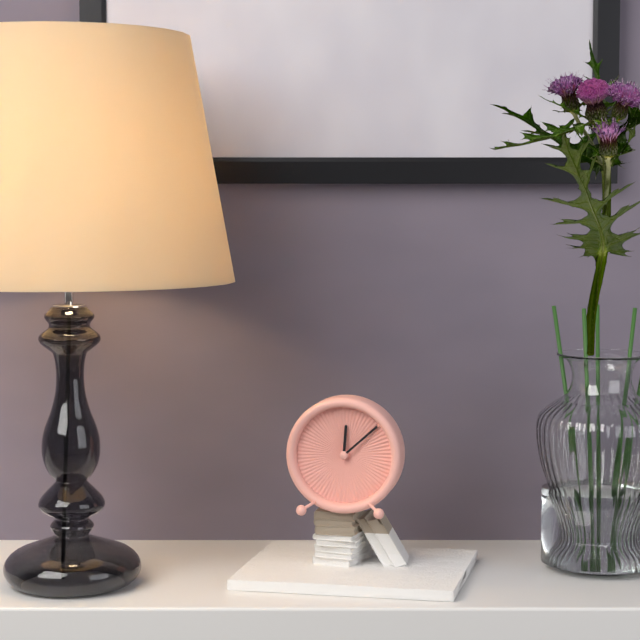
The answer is 12:08
